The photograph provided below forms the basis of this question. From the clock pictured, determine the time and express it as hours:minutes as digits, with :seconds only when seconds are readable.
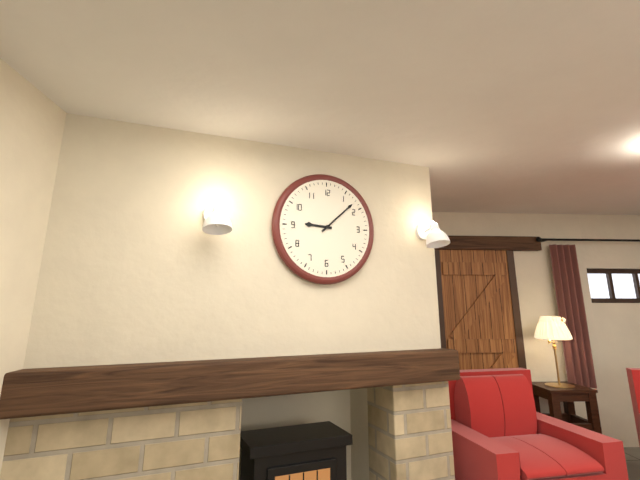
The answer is 9:08
